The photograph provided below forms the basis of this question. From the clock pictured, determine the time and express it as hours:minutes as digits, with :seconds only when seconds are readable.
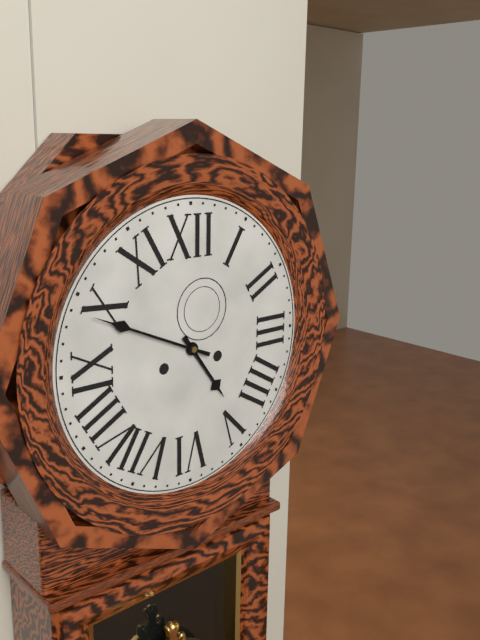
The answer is 4:49
